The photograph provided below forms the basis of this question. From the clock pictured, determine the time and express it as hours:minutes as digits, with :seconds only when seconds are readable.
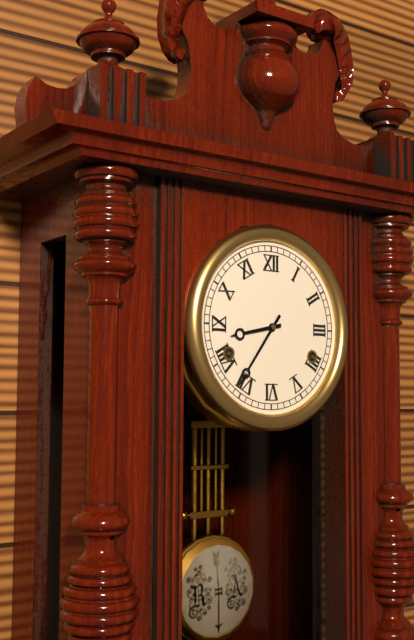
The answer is 8:36
